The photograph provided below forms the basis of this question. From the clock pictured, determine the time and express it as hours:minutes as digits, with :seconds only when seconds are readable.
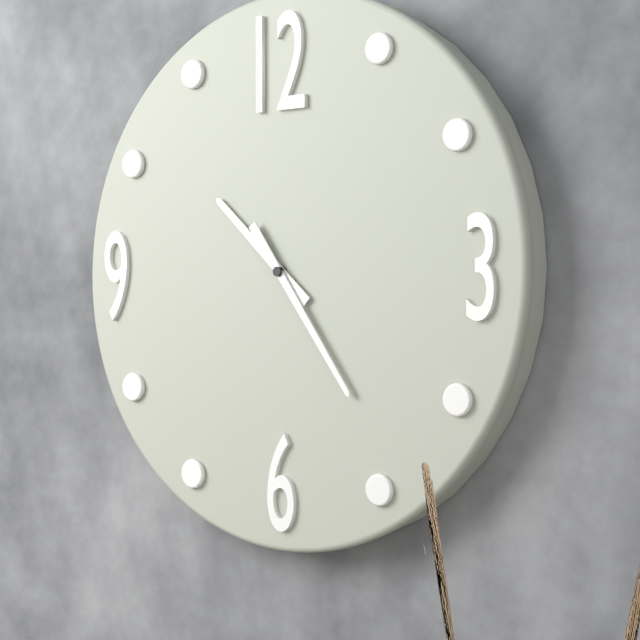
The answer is 10:24
